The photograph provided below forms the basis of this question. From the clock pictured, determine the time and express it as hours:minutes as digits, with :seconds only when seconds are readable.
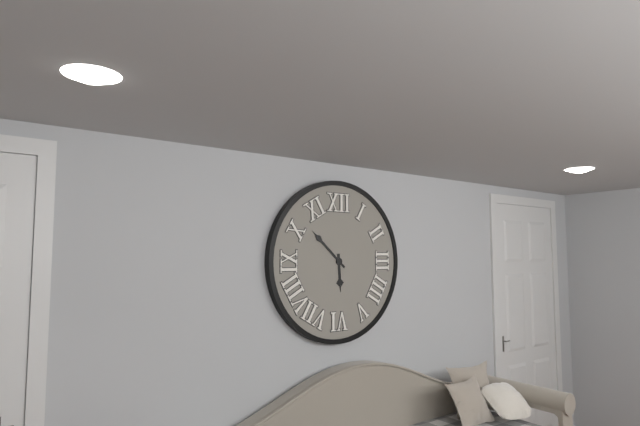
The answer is 5:52
